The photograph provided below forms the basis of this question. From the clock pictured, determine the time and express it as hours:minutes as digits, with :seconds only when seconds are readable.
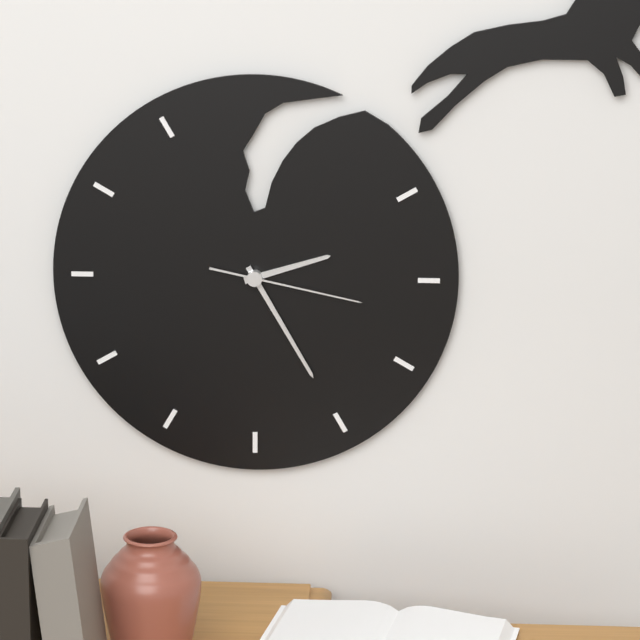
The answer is 2:25:17
